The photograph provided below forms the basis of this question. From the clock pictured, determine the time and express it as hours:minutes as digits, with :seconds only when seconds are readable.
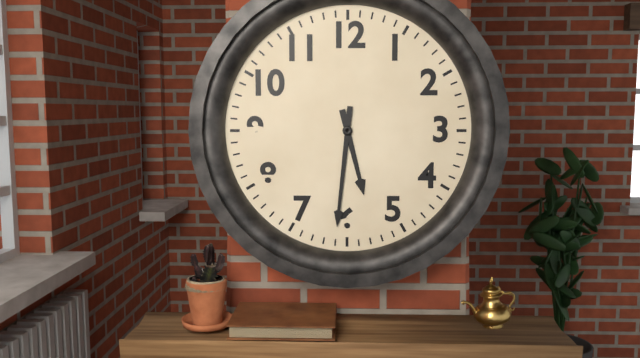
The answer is 5:31
